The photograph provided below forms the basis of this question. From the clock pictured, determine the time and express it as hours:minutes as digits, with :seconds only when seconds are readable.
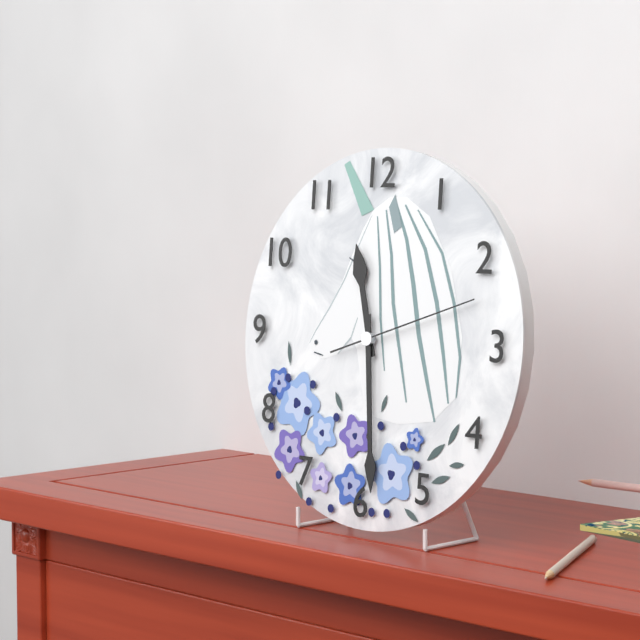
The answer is 11:29:12
